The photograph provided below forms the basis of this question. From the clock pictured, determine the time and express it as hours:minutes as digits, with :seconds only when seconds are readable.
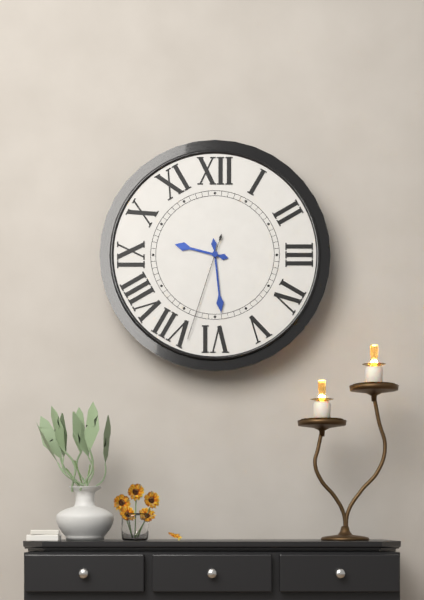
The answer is 9:29:33
